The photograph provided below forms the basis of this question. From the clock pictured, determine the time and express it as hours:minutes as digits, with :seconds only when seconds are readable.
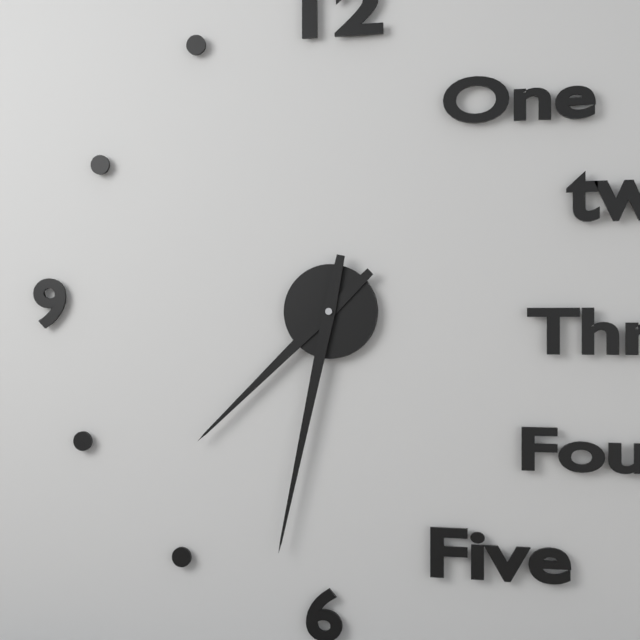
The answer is 7:32
